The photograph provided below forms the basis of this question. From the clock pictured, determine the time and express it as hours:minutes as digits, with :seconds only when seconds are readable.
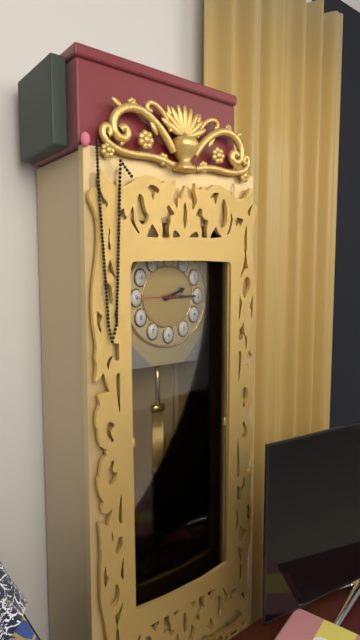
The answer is 2:15
